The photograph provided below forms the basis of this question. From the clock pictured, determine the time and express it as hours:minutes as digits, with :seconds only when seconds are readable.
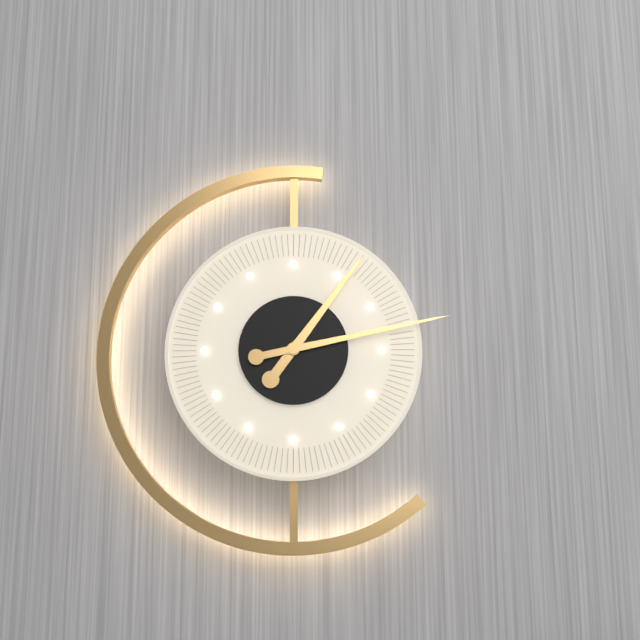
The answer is 1:13
